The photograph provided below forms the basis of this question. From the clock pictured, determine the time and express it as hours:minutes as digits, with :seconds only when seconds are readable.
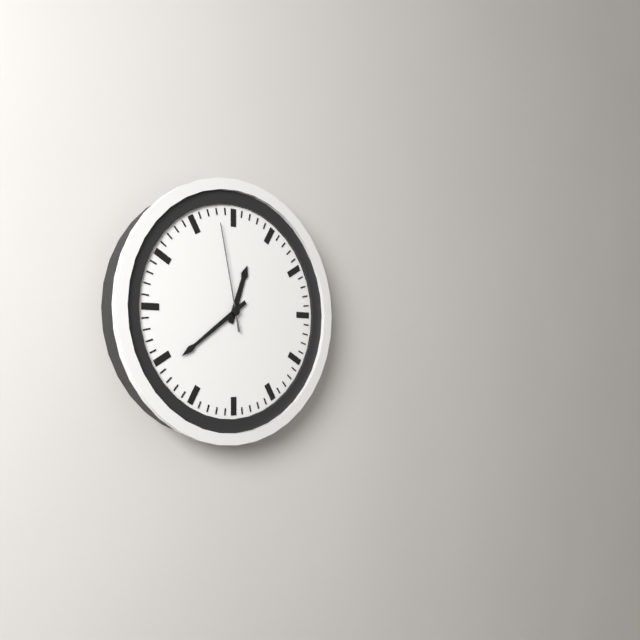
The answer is 12:39:58
